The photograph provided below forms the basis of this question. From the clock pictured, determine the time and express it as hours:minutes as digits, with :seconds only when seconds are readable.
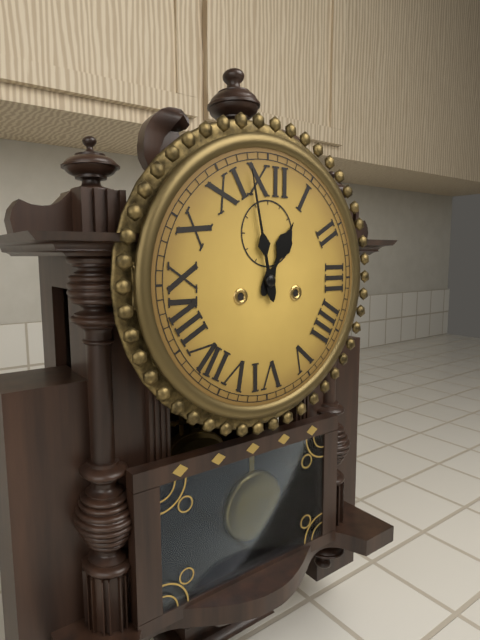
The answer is 12:58
